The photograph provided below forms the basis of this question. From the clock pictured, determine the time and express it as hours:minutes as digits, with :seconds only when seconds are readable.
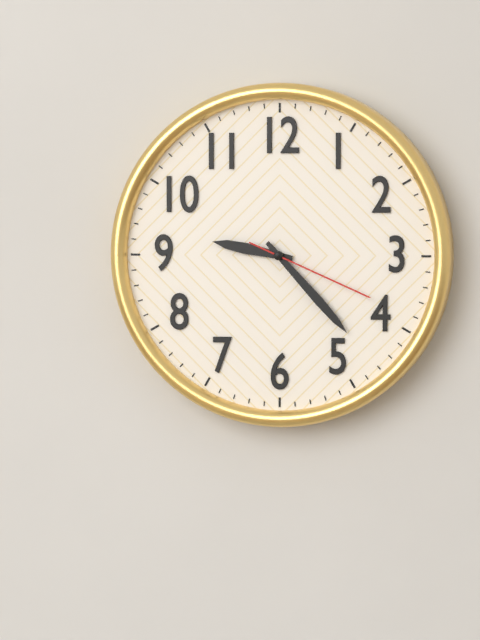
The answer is 9:23:19
